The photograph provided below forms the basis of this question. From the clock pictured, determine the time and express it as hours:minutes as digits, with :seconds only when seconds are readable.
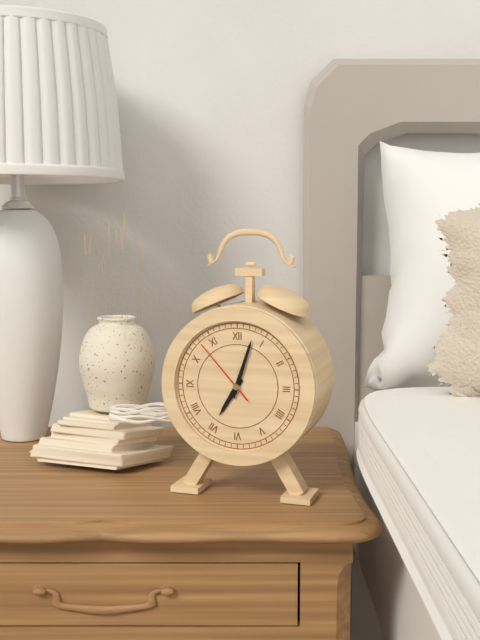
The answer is 7:03:53
